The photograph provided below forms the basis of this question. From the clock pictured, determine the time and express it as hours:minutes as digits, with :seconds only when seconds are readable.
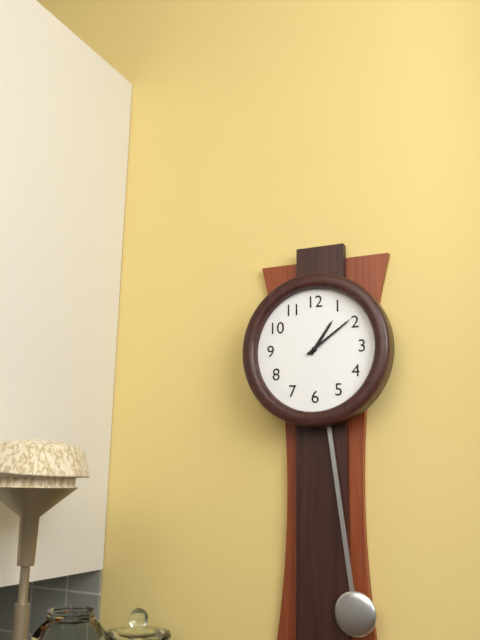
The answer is 1:09
